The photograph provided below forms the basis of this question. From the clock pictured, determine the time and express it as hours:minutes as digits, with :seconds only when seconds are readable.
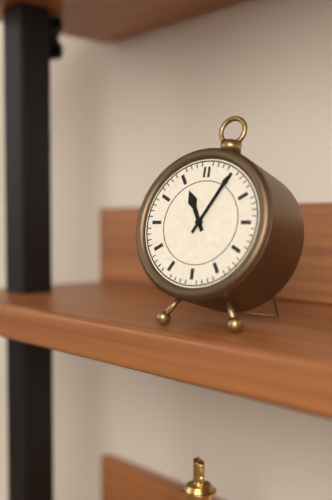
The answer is 11:05
